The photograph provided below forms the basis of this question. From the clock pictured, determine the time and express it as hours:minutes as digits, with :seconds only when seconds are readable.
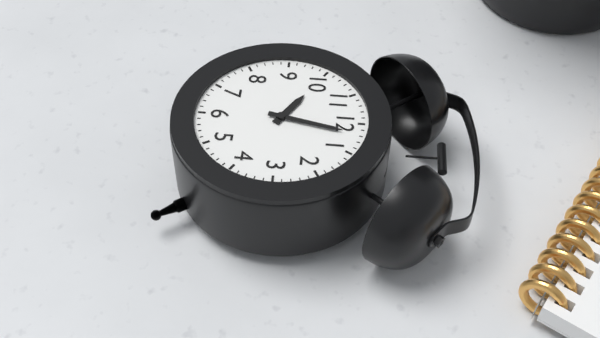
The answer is 10:02
